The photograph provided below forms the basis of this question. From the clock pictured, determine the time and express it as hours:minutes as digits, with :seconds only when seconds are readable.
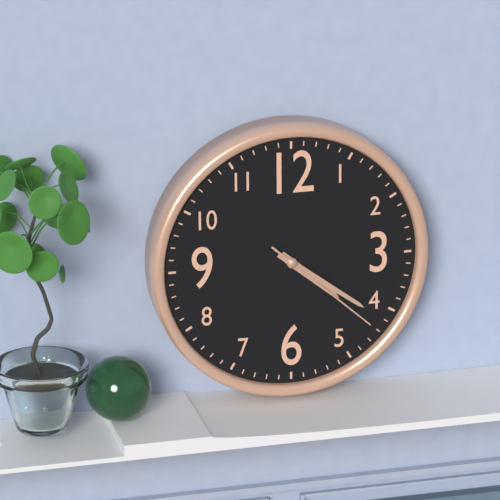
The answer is 4:21:22
